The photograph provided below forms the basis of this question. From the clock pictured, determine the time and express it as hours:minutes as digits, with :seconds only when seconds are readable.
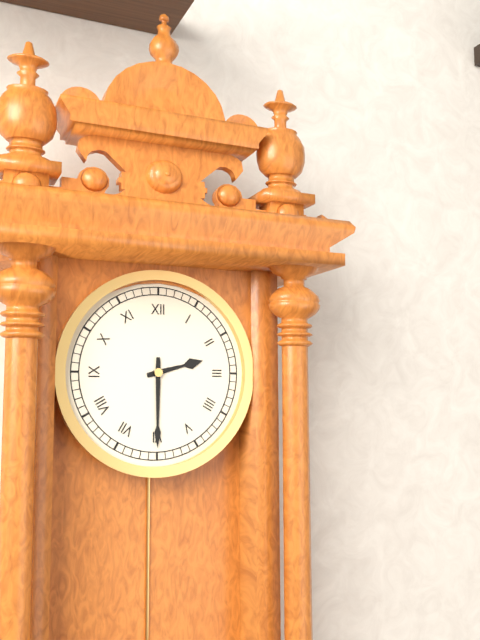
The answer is 2:30
